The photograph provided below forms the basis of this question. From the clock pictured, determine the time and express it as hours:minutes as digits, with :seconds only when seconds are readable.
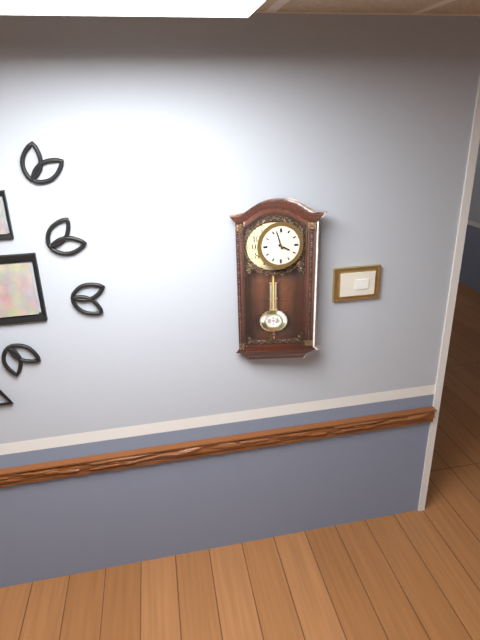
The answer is 3:57
